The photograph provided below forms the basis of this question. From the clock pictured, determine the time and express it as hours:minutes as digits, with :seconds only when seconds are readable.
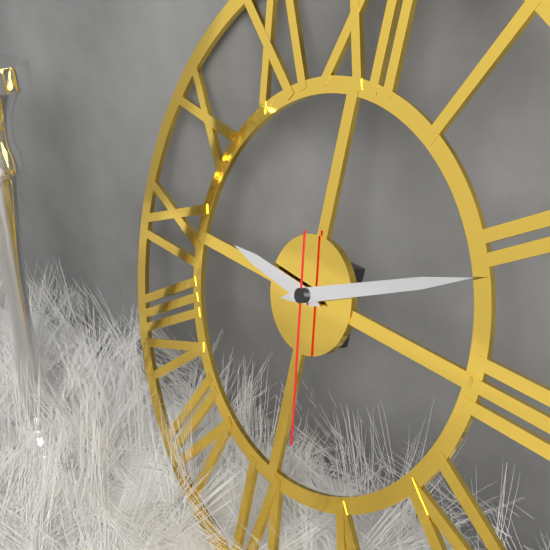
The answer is 9:11:28
